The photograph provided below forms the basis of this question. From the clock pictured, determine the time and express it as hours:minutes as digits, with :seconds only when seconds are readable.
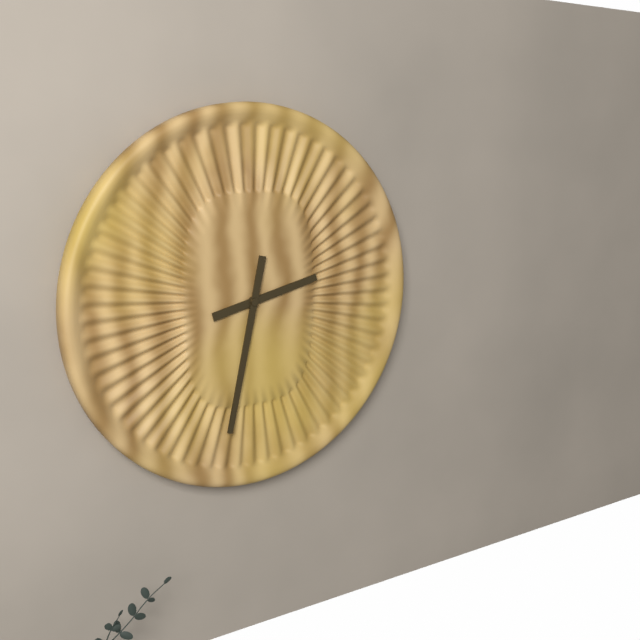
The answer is 2:32
